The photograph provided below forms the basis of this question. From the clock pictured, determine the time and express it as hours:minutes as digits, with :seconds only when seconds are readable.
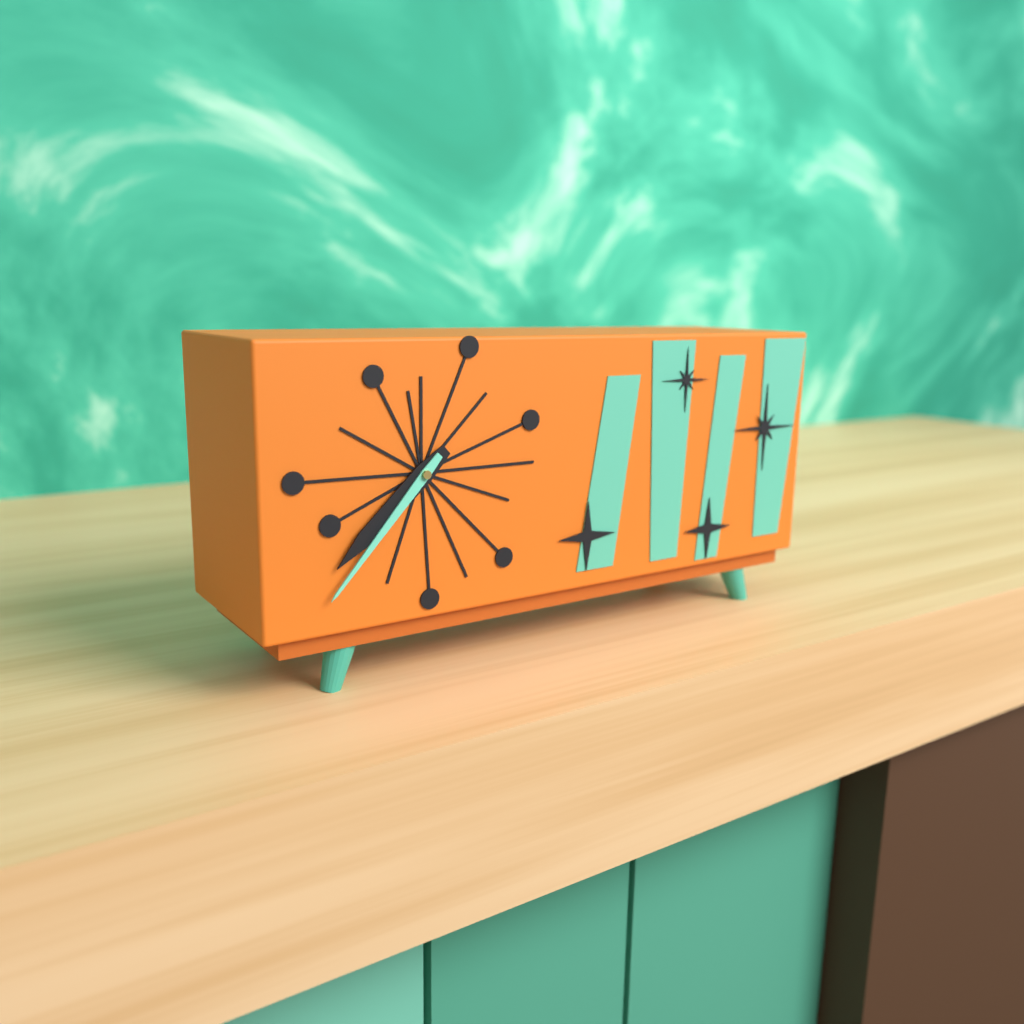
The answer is 7:37
